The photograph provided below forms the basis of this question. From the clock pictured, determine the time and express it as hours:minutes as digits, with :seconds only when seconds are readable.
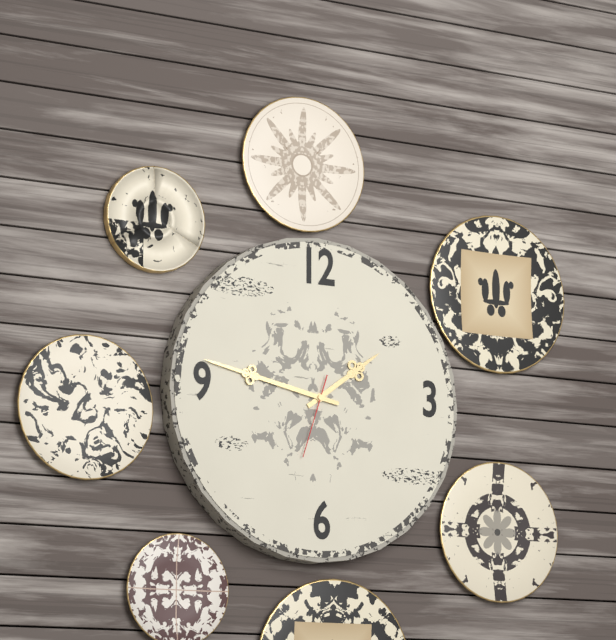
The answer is 1:47:33
